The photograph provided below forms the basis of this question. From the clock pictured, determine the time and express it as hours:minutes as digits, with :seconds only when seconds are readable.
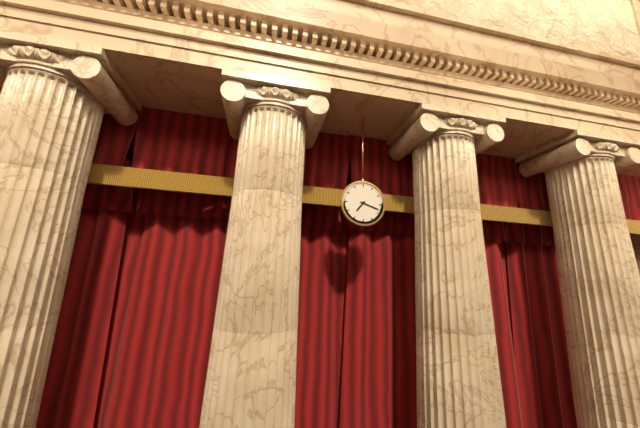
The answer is 7:18
